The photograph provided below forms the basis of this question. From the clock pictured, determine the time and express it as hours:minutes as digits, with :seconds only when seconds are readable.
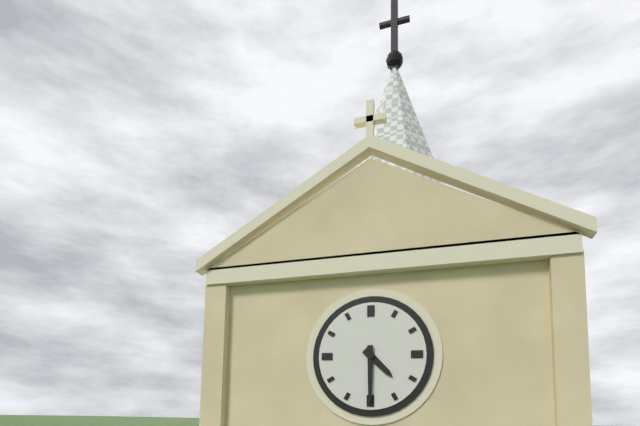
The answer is 4:30
